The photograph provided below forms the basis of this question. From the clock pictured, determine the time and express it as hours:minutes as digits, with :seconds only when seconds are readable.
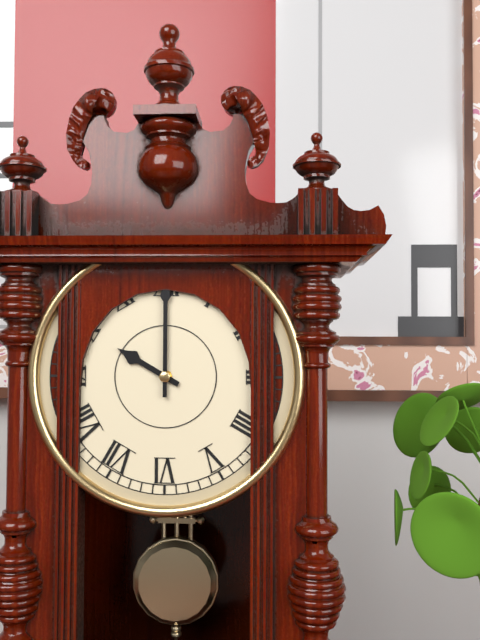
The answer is 10:00
